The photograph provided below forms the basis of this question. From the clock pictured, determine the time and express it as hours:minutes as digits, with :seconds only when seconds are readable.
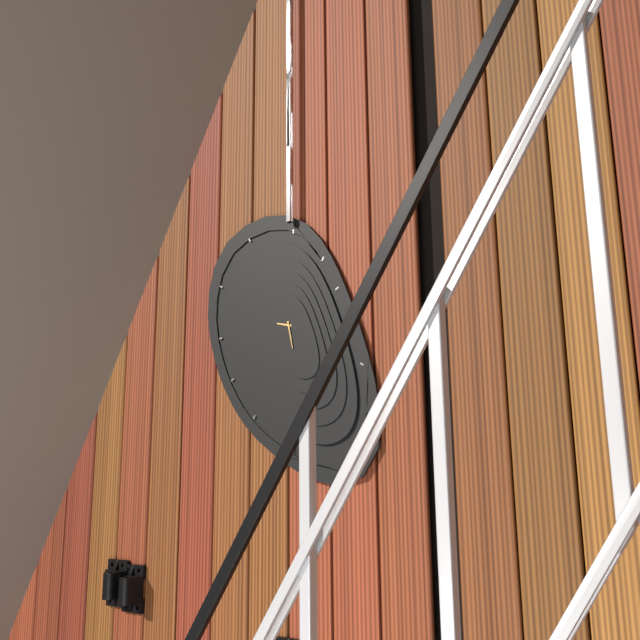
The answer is 9:28
